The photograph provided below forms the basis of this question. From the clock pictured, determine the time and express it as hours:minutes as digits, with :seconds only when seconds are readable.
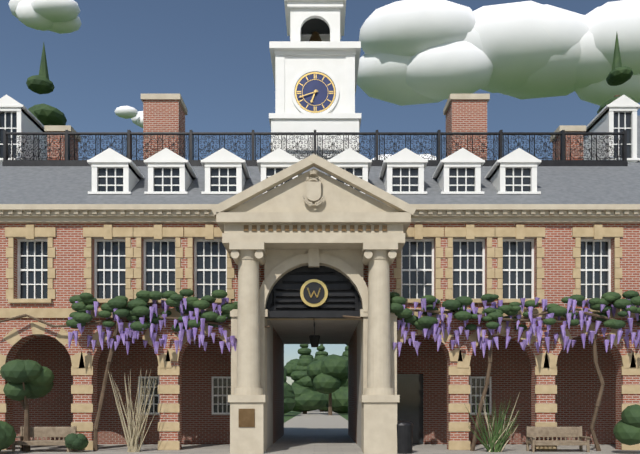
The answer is 6:42
